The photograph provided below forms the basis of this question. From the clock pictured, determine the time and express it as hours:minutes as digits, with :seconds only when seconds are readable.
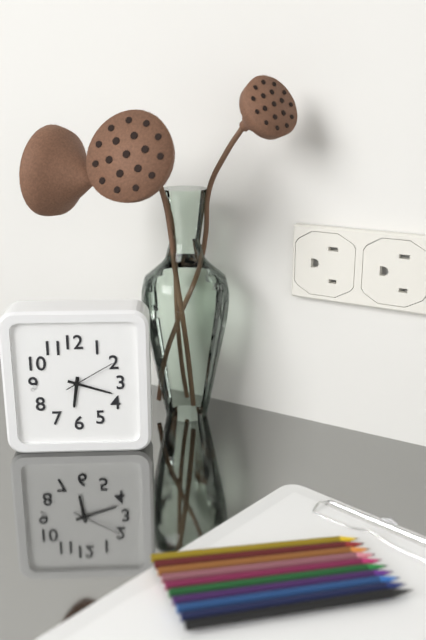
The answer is 6:18:10
